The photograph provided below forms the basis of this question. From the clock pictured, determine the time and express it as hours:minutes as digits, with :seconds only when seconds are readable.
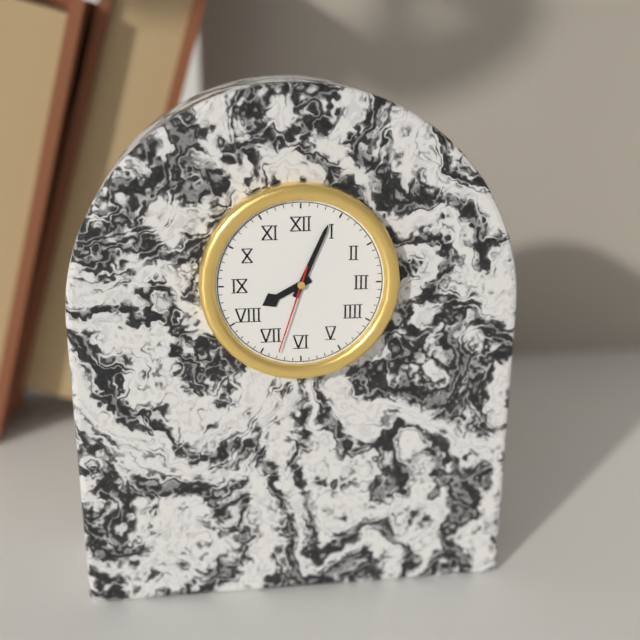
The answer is 8:04:33
